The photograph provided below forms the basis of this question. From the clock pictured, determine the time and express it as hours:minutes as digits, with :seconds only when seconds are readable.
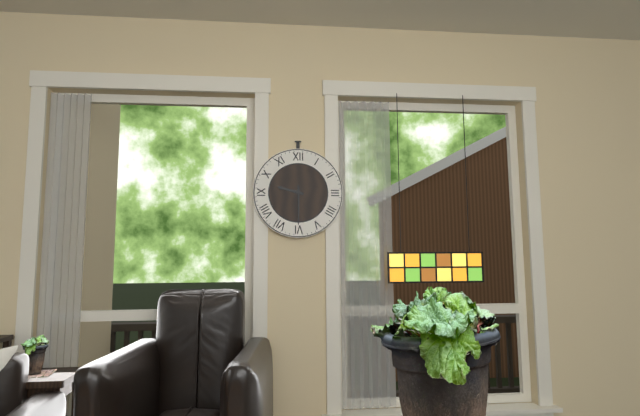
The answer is 9:30
